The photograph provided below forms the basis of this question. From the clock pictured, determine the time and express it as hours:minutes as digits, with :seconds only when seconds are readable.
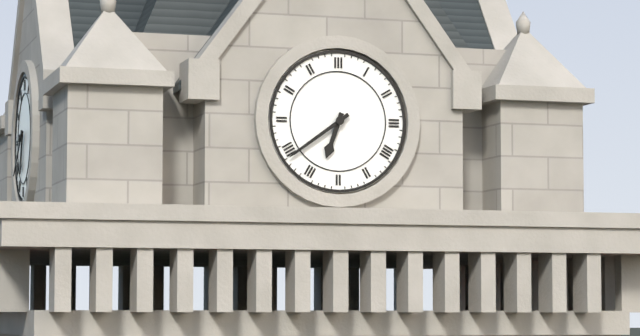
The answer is 6:39
